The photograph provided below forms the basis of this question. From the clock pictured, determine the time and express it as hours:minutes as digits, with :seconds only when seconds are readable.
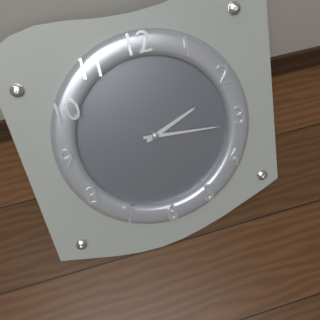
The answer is 2:16
